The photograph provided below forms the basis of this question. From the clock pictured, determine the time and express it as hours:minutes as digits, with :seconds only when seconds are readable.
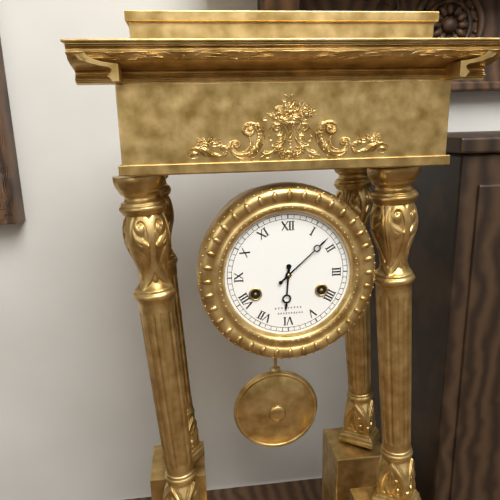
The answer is 6:08
